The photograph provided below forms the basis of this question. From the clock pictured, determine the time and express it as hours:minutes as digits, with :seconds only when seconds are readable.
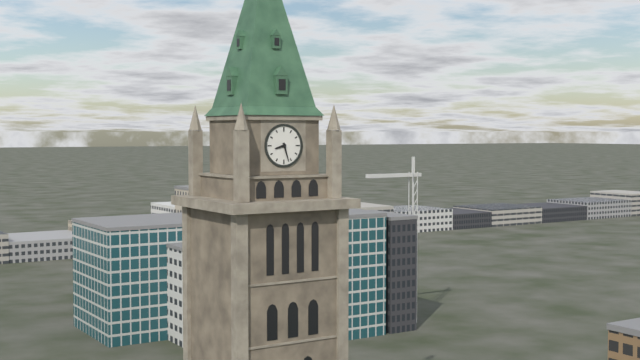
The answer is 8:27
